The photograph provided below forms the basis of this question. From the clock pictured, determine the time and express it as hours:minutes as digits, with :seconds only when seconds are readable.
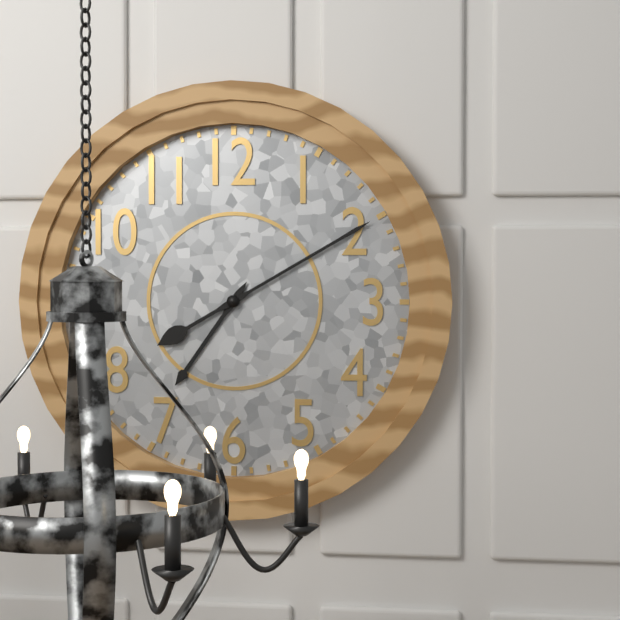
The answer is 7:10
